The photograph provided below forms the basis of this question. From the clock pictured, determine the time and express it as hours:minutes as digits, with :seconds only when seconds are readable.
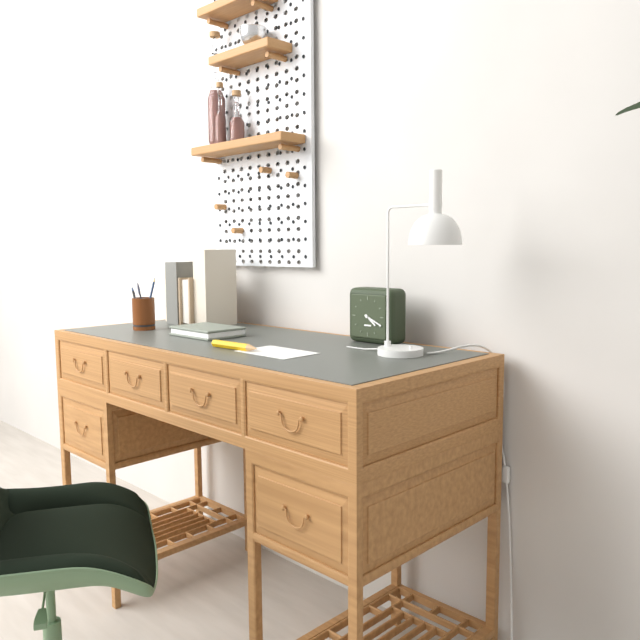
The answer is 4:19
